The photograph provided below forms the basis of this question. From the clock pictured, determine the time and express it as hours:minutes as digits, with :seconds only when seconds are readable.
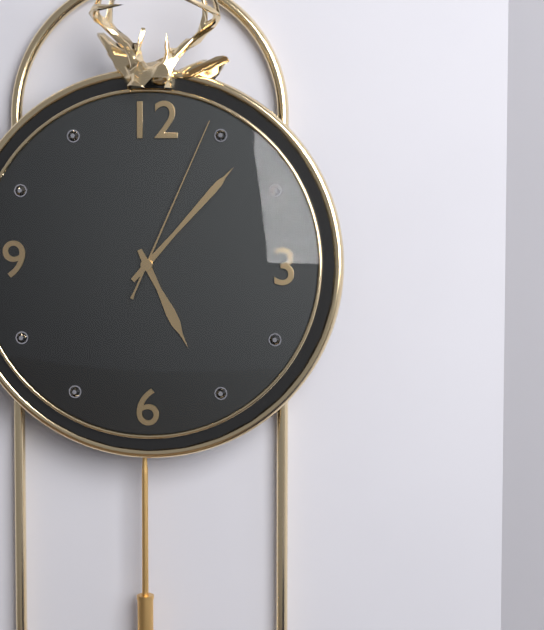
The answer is 5:07:04
